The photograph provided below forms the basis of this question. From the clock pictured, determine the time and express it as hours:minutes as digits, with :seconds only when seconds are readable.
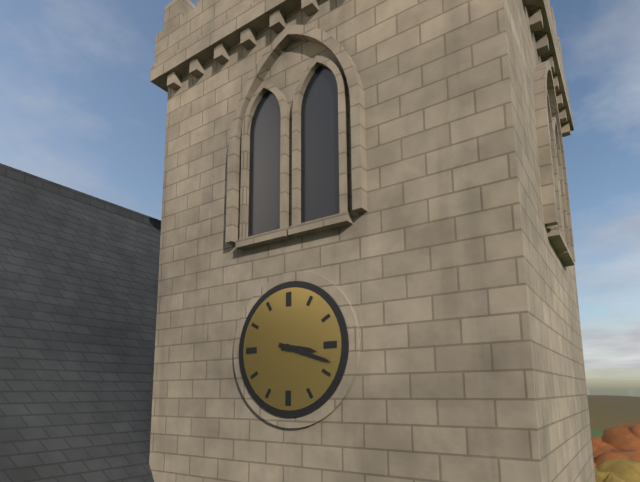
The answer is 3:18
